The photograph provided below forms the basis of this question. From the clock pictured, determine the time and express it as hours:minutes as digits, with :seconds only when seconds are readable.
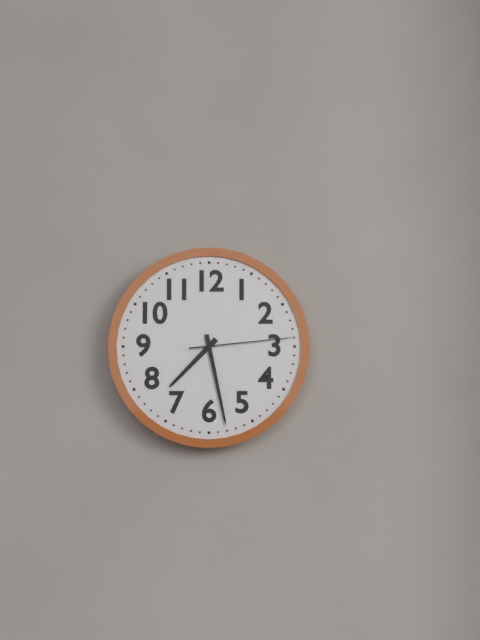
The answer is 7:28:14
